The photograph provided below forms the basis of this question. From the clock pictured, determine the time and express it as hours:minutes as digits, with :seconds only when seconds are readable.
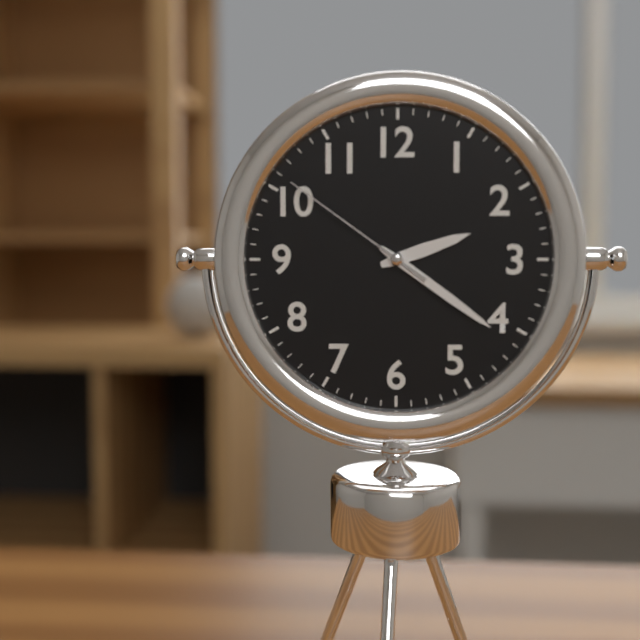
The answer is 2:21:51
